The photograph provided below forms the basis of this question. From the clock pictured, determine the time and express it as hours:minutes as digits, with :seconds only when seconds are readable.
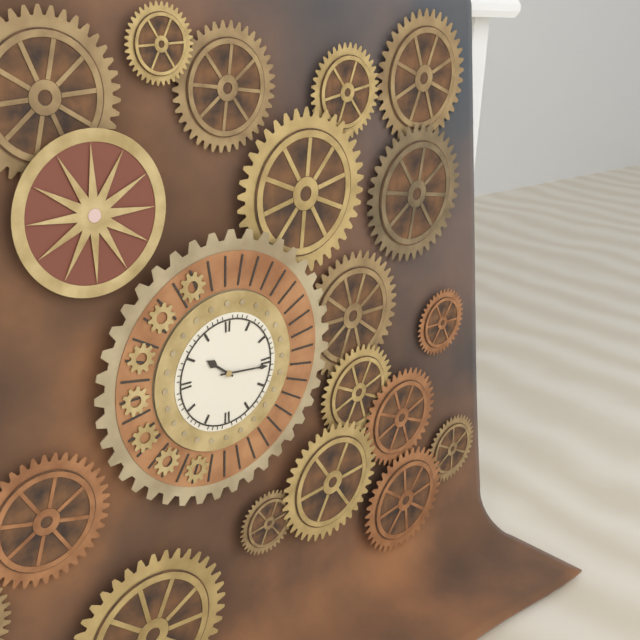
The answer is 10:16
